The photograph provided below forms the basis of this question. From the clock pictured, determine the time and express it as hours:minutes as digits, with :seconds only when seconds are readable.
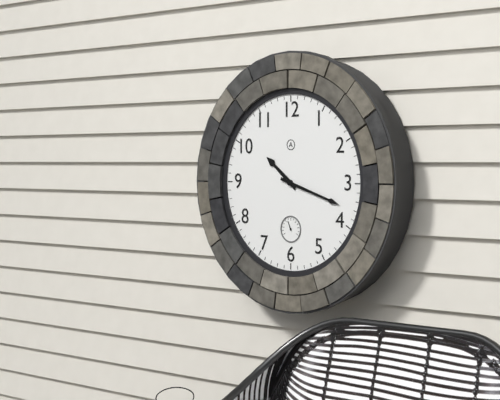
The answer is 10:18
